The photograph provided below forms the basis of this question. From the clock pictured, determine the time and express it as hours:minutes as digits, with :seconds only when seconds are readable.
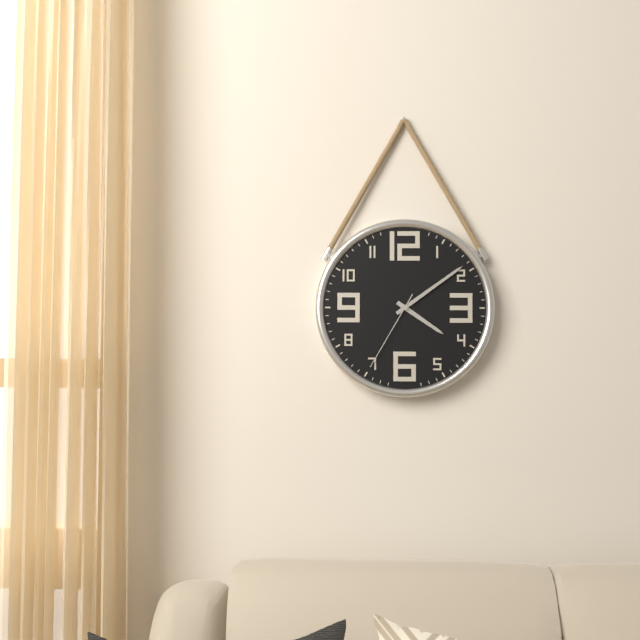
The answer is 4:09:35
